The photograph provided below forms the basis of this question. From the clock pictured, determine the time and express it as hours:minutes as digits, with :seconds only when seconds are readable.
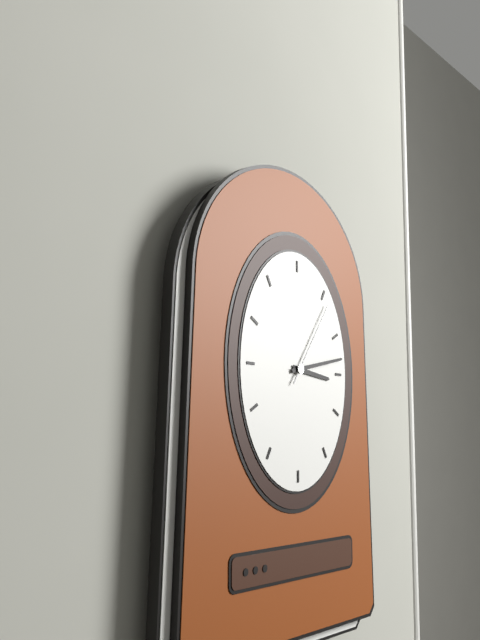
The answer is 3:13:06
